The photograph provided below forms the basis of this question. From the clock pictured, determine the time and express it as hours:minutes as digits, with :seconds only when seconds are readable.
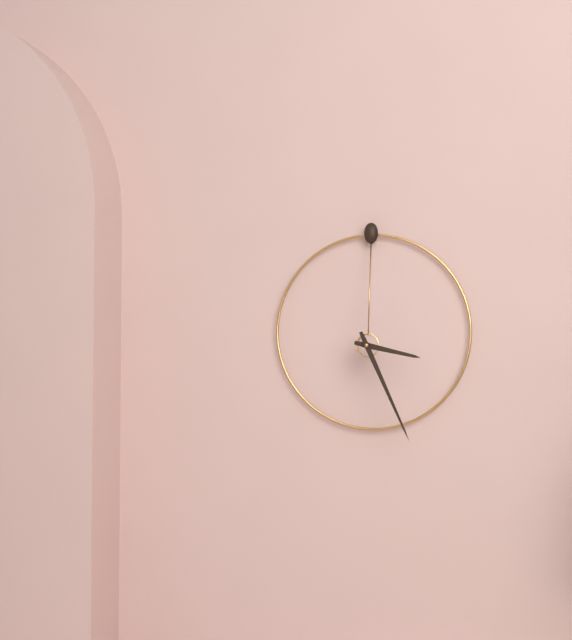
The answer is 3:26
